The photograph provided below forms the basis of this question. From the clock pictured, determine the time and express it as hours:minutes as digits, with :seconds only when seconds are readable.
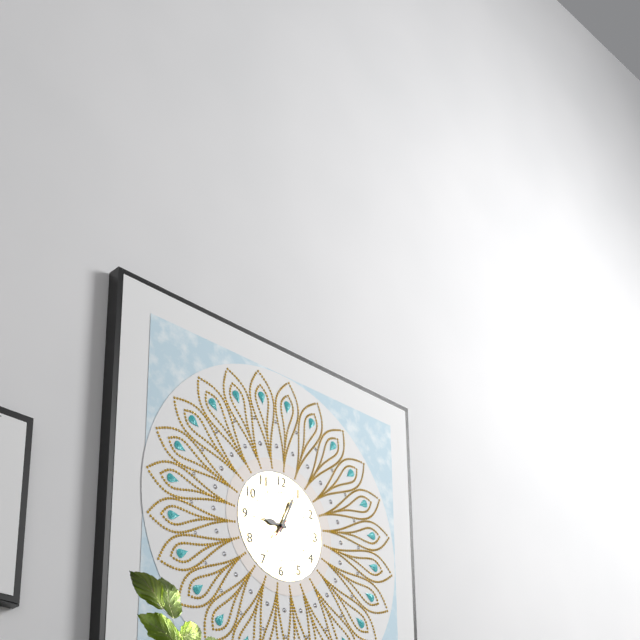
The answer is 9:04
